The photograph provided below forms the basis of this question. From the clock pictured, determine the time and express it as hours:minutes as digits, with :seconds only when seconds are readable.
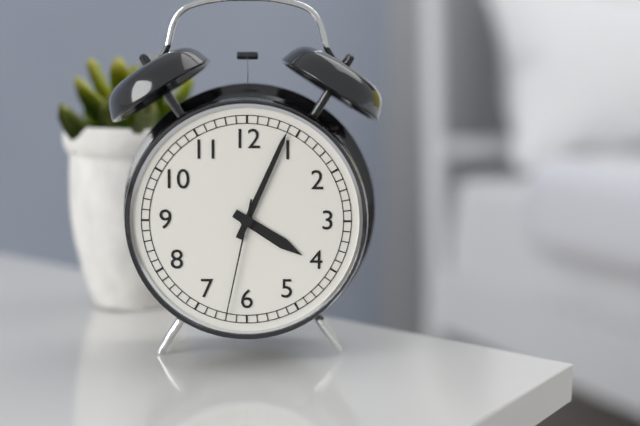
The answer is 4:04:32
